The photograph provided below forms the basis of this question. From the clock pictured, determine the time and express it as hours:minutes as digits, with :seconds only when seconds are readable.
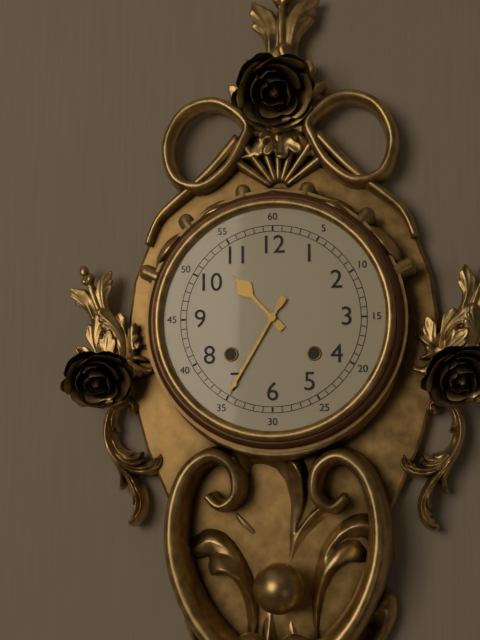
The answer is 10:35
